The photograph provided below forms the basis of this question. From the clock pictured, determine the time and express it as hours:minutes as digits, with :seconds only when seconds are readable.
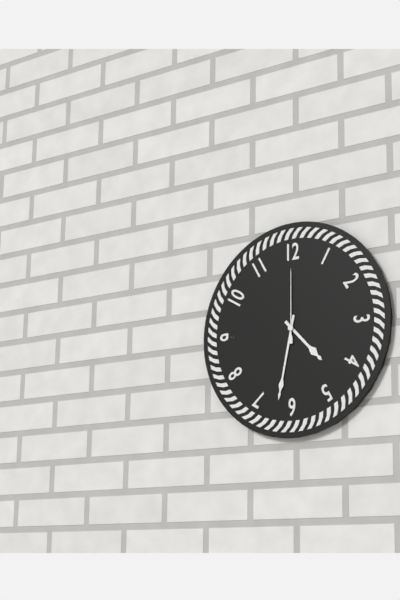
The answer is 4:32:00
